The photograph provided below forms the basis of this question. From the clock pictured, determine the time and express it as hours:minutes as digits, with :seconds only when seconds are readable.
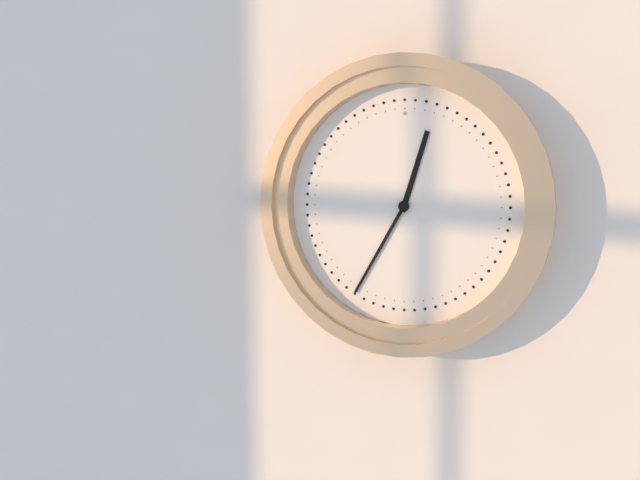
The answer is 12:35
